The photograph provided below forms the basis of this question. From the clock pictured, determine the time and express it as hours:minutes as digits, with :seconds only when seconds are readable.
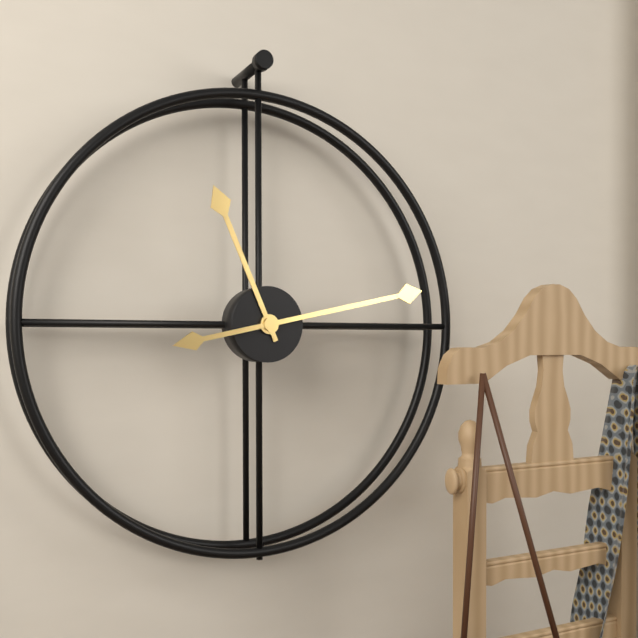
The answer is 11:13
